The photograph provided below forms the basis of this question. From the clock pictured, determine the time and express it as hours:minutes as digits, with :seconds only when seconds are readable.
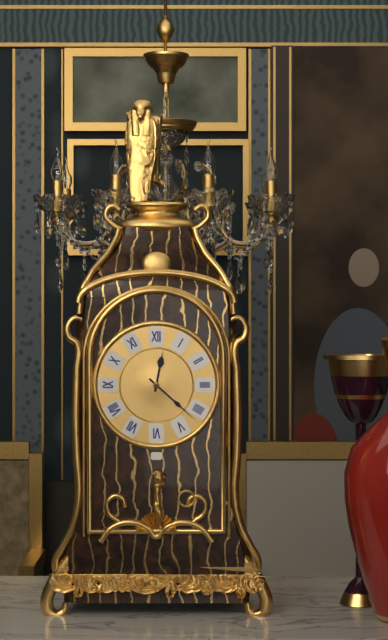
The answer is 12:22
